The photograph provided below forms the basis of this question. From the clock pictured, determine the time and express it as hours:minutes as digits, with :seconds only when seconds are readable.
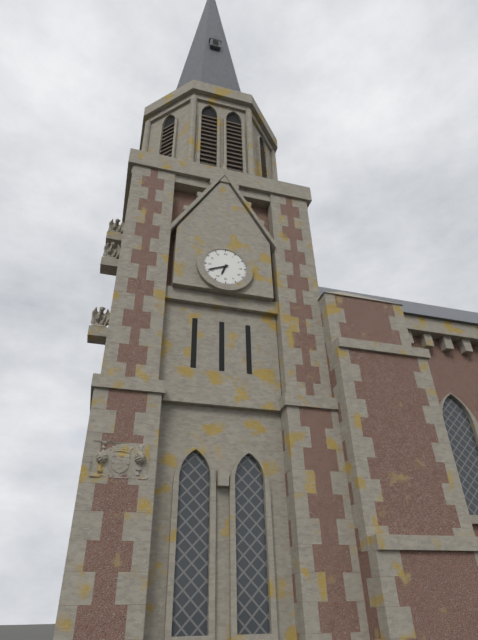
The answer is 6:41
